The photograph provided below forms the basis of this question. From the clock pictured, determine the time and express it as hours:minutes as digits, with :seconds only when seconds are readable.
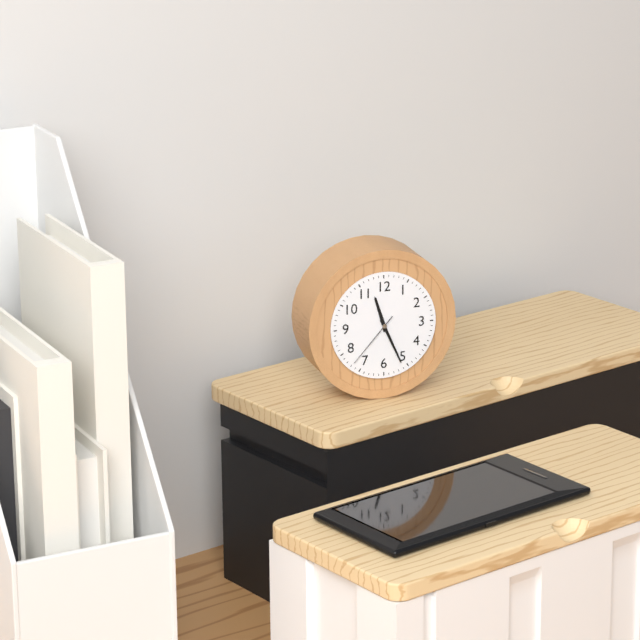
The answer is 11:26:37
